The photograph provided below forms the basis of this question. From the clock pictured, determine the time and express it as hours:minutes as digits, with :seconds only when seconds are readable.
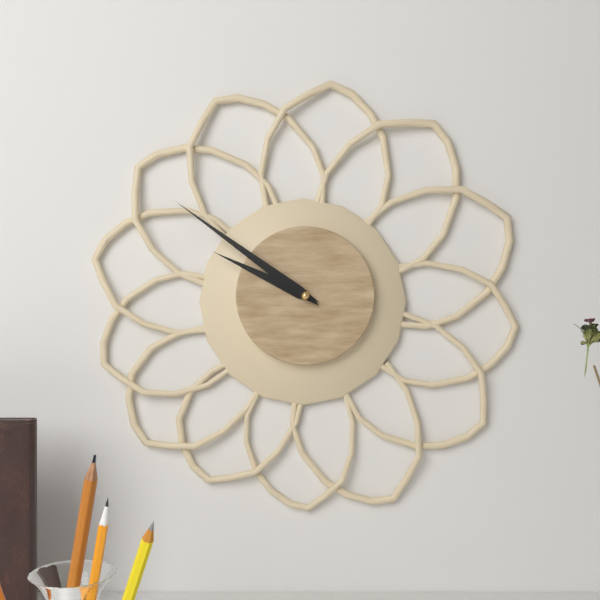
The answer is 9:51
